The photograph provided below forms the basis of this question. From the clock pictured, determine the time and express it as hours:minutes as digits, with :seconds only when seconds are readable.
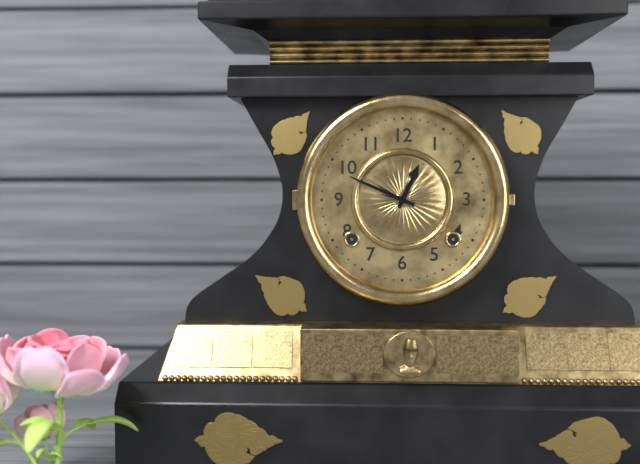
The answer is 12:49
